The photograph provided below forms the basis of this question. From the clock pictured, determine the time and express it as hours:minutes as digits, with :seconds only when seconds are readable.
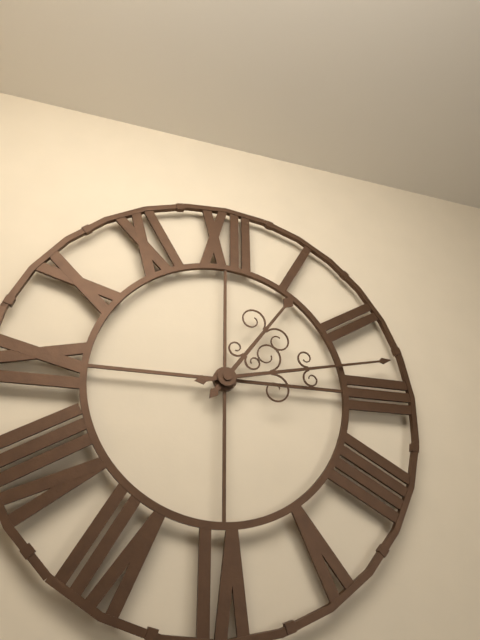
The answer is 1:13
